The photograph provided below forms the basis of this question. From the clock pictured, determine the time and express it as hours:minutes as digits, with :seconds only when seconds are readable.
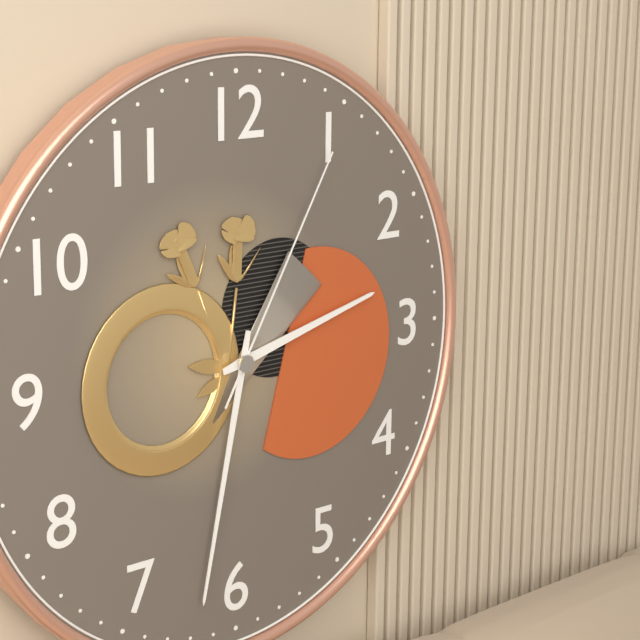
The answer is 2:32:05
